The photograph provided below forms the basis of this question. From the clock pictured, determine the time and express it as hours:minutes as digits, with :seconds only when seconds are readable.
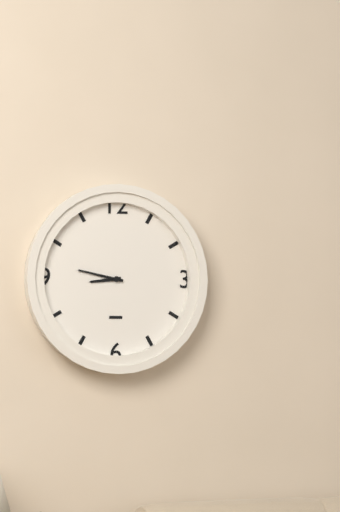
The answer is 8:47
